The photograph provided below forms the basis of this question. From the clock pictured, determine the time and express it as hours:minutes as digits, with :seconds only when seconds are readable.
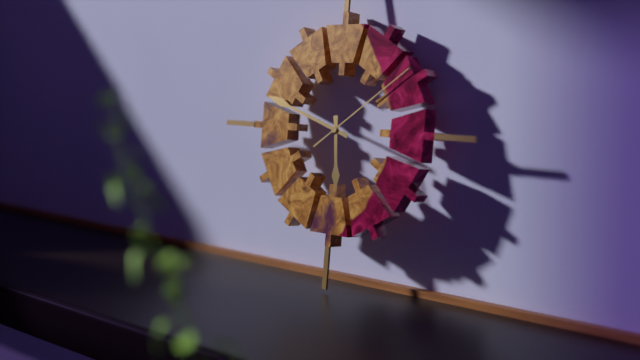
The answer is 5:48:09
